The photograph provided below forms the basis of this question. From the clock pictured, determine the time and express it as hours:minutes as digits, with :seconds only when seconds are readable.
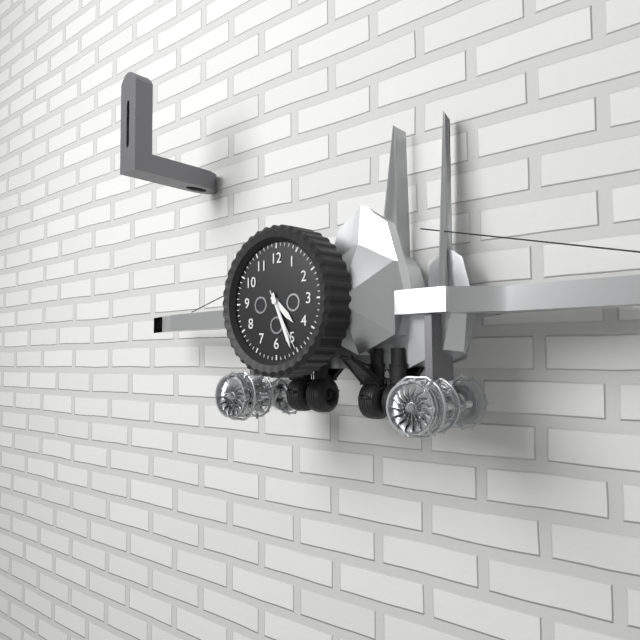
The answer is 4:26:25
